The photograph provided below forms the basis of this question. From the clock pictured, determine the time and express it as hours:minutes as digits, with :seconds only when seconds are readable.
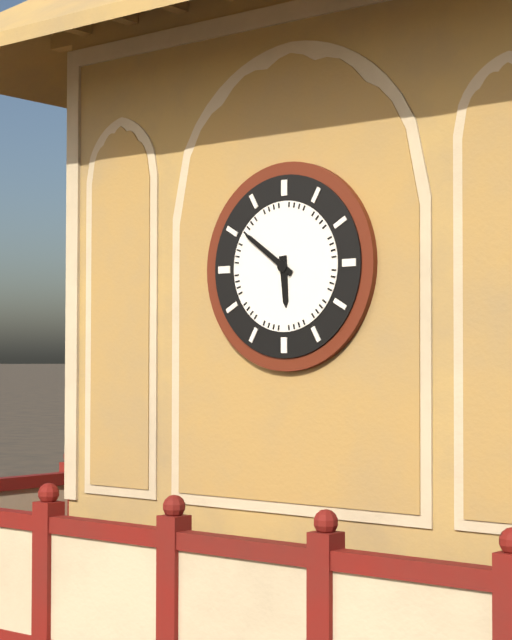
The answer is 5:51
